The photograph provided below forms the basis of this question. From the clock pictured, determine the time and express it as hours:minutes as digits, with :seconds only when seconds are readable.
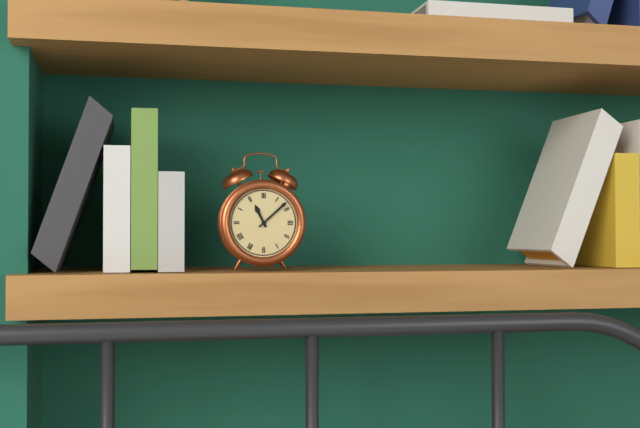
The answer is 11:08
